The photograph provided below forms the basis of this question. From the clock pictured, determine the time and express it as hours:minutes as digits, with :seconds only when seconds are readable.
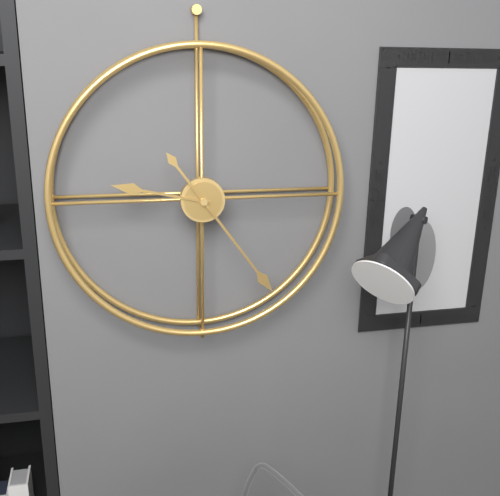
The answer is 9:24
